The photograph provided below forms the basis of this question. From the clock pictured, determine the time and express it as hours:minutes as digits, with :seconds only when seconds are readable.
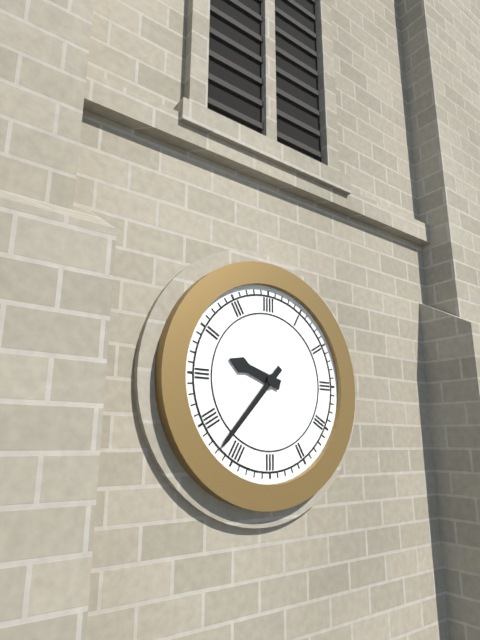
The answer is 9:37
